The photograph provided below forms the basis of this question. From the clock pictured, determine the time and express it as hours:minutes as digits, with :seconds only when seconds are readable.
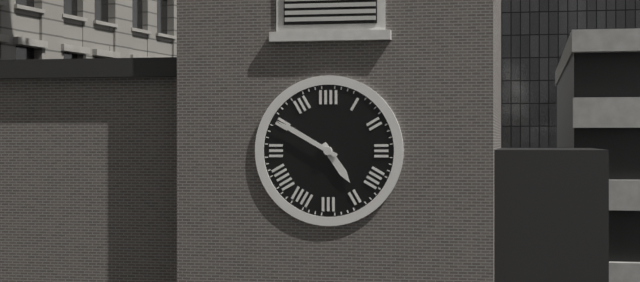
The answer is 4:50
